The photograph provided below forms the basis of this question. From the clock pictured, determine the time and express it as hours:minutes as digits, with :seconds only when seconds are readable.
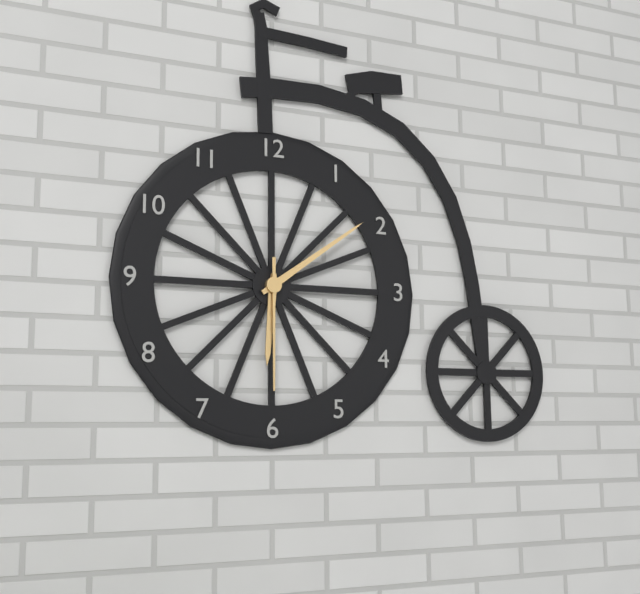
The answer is 6:09:30
